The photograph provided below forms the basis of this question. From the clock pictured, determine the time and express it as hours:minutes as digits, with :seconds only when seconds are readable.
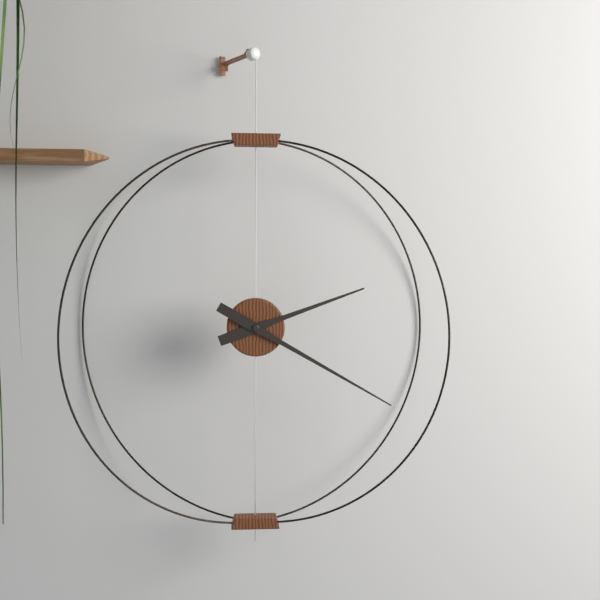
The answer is 2:20
